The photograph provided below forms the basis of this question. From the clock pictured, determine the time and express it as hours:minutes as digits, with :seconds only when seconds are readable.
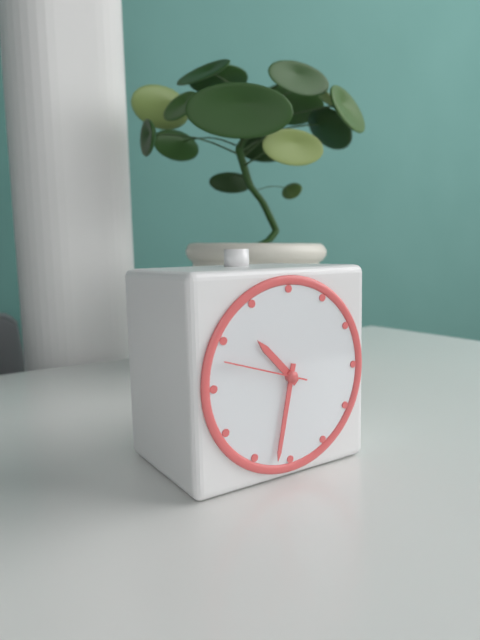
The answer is 10:32:48
